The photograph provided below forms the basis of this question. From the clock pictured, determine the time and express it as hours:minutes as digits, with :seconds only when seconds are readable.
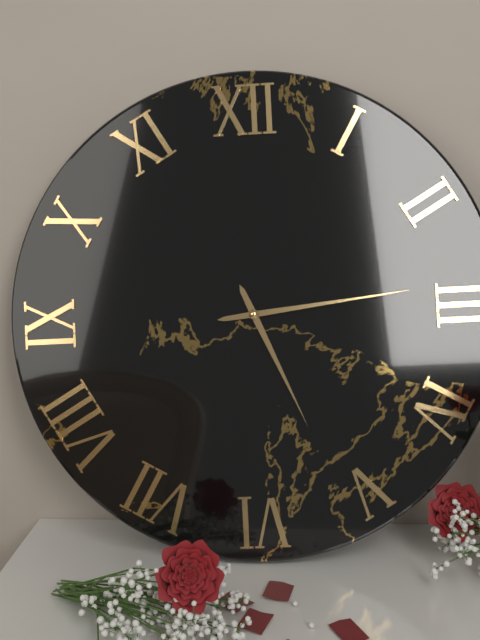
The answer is 5:14
